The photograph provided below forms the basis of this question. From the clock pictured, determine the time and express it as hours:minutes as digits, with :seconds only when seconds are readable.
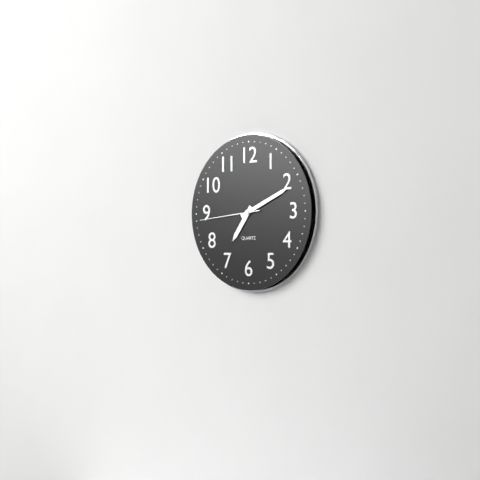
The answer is 7:11:44
